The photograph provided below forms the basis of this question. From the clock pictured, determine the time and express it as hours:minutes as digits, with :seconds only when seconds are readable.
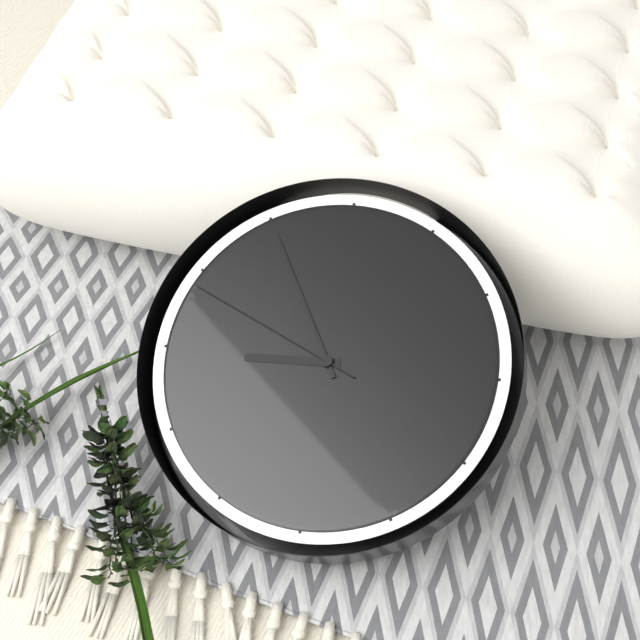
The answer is 8:55:49
